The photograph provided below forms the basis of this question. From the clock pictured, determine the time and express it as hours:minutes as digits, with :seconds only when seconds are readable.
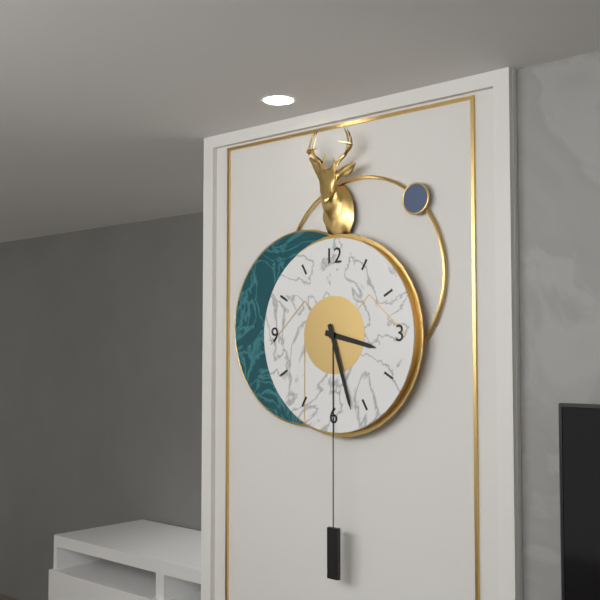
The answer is 3:27
